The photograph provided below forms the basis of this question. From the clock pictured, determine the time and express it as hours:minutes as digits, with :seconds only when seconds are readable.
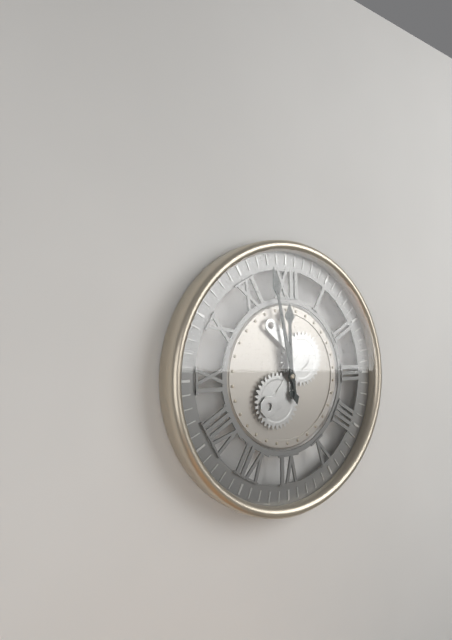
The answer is 11:58
